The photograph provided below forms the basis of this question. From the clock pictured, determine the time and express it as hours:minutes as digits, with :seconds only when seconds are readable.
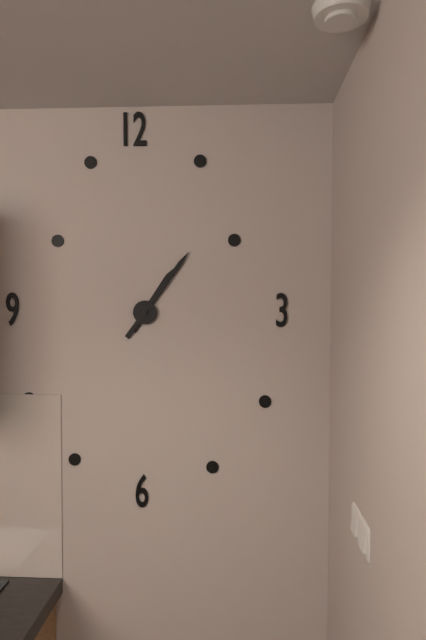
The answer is 1:06
